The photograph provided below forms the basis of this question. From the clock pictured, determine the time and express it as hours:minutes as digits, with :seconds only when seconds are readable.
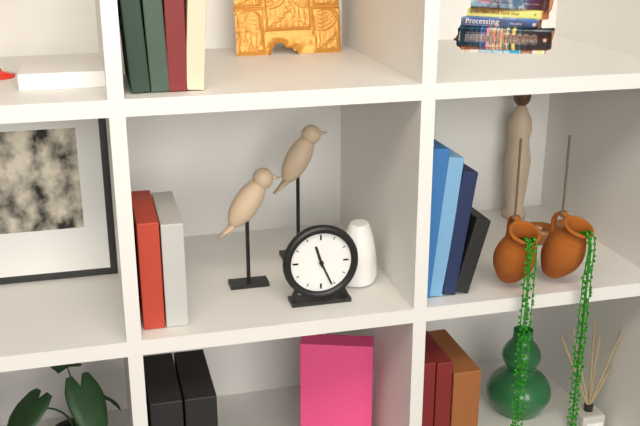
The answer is 11:26
